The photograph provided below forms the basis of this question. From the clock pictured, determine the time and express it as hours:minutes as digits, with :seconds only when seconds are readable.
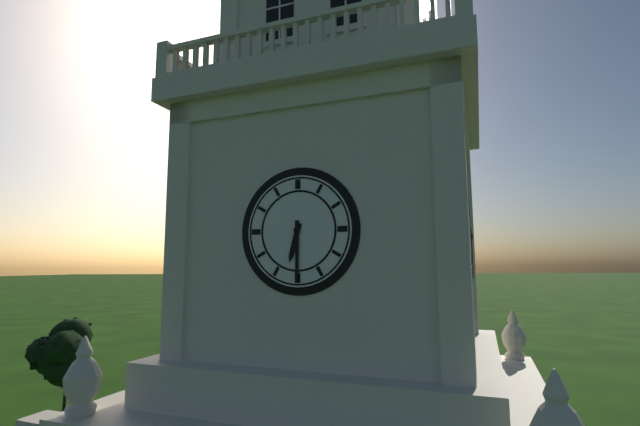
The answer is 6:30
